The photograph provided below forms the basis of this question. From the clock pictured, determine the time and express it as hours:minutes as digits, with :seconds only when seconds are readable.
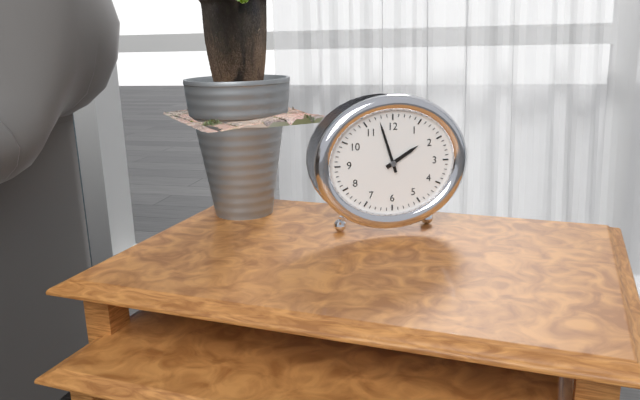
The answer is 1:57
